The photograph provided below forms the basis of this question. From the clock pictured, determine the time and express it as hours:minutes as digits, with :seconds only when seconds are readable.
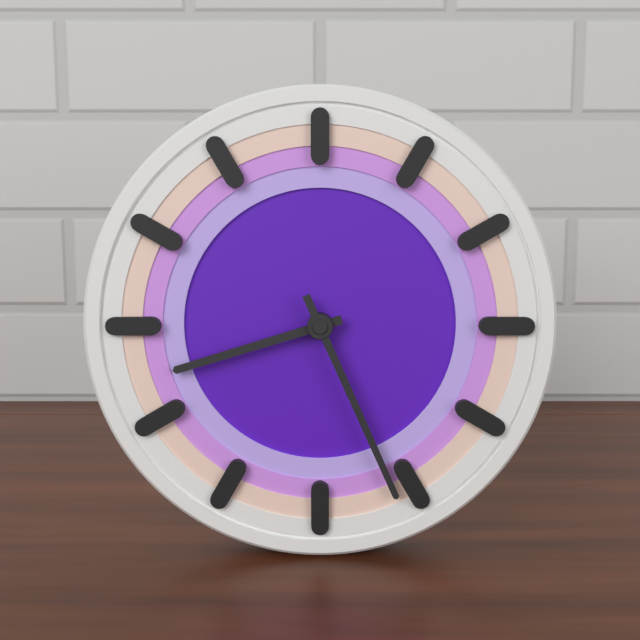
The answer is 8:26
